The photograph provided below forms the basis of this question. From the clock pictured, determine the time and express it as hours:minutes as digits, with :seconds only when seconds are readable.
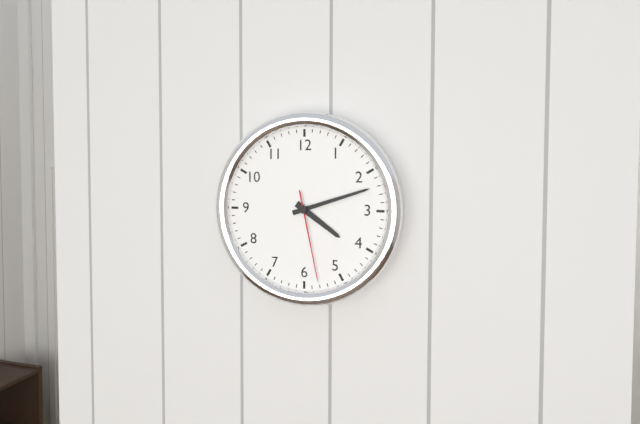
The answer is 4:12:28
